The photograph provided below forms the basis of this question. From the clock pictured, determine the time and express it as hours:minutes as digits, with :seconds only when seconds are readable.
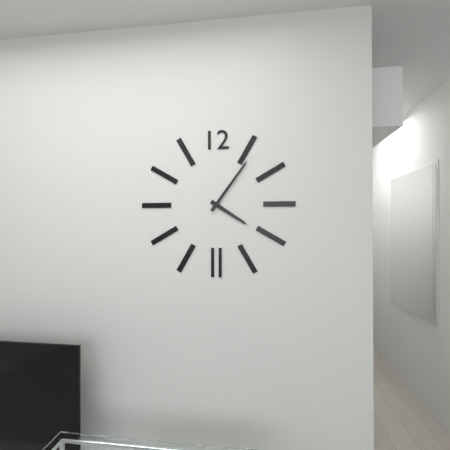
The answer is 4:06
